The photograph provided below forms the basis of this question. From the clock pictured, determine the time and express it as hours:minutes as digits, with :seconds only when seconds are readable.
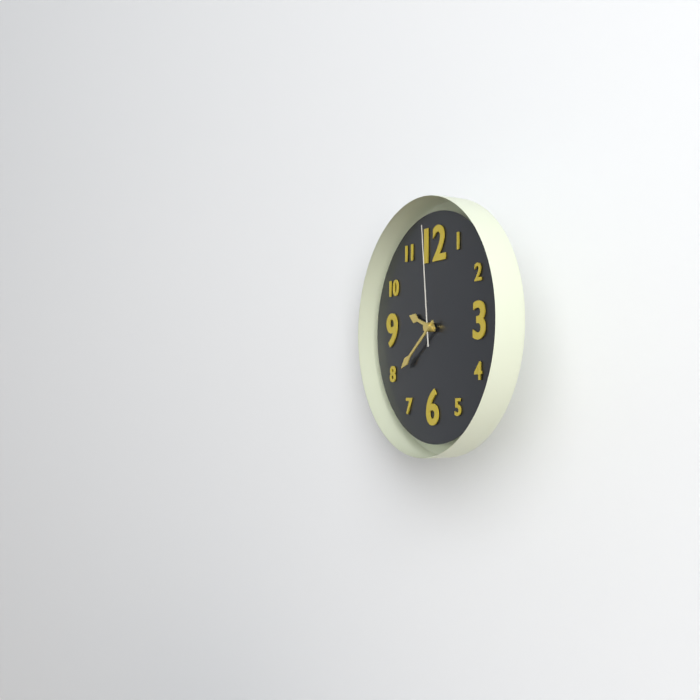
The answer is 9:39:59
